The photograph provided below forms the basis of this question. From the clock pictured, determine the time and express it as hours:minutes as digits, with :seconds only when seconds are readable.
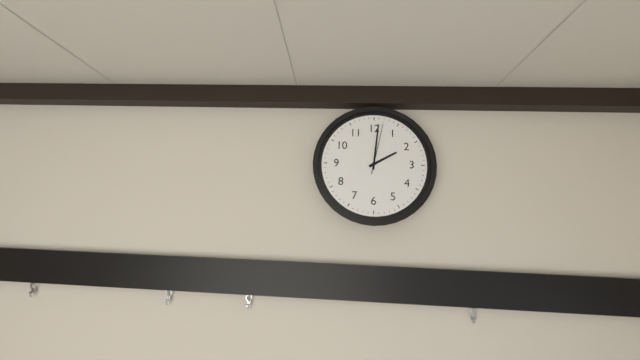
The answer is 2:01:02
